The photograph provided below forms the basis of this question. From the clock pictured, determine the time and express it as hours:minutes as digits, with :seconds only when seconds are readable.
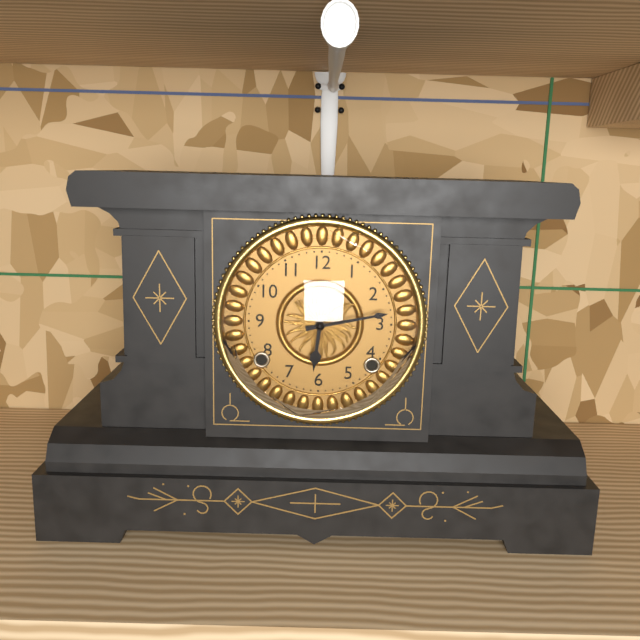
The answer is 6:13
